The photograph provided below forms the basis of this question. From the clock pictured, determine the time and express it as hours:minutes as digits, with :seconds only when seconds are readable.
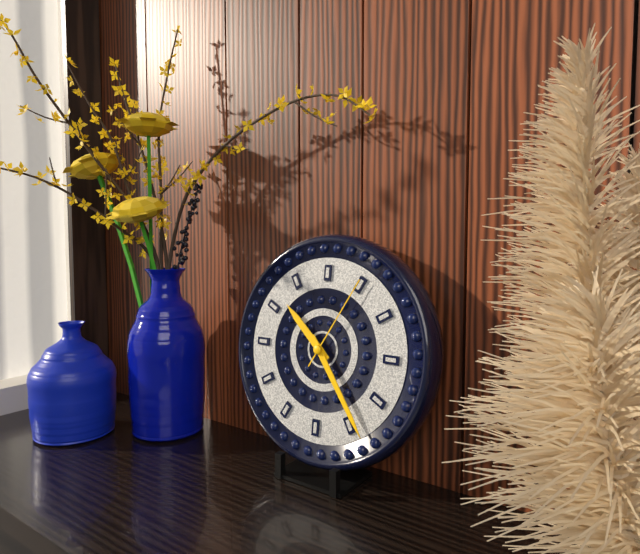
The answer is 10:24:05
